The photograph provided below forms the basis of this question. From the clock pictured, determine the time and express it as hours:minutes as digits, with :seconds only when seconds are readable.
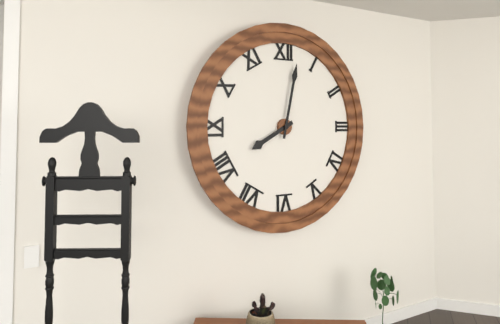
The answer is 8:02
